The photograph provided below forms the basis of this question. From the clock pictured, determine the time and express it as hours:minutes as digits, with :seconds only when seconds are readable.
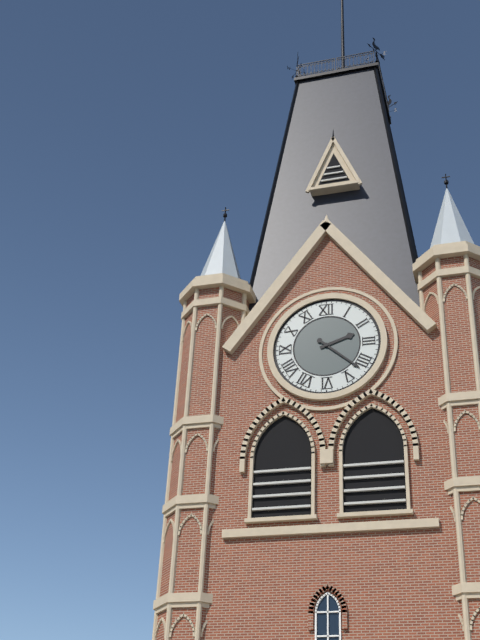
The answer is 2:22
